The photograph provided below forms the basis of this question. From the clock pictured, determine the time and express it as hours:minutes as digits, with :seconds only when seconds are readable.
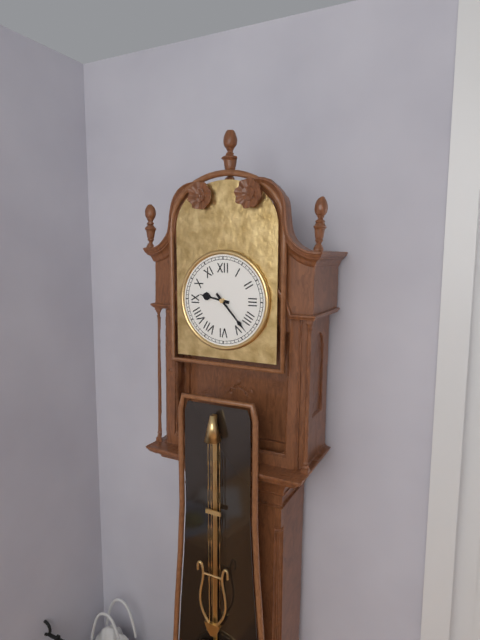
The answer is 9:23
